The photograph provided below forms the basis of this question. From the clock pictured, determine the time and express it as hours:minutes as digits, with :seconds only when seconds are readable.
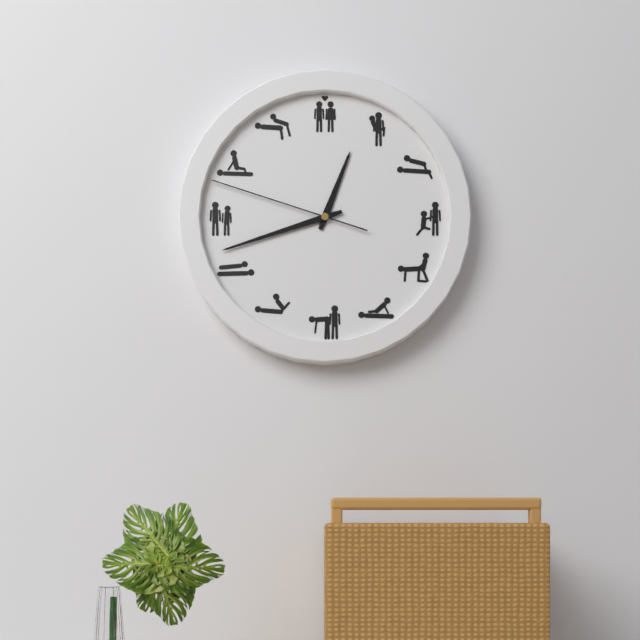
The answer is 12:42:48
